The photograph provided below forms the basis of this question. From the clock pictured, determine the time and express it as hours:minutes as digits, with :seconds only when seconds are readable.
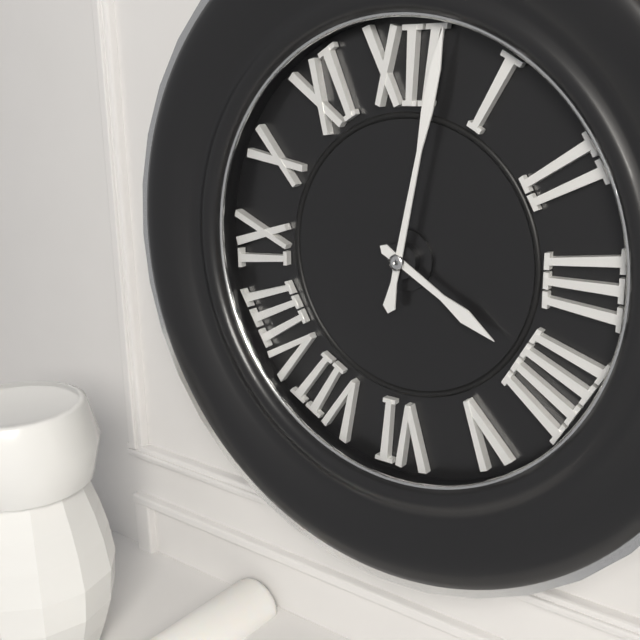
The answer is 4:02
